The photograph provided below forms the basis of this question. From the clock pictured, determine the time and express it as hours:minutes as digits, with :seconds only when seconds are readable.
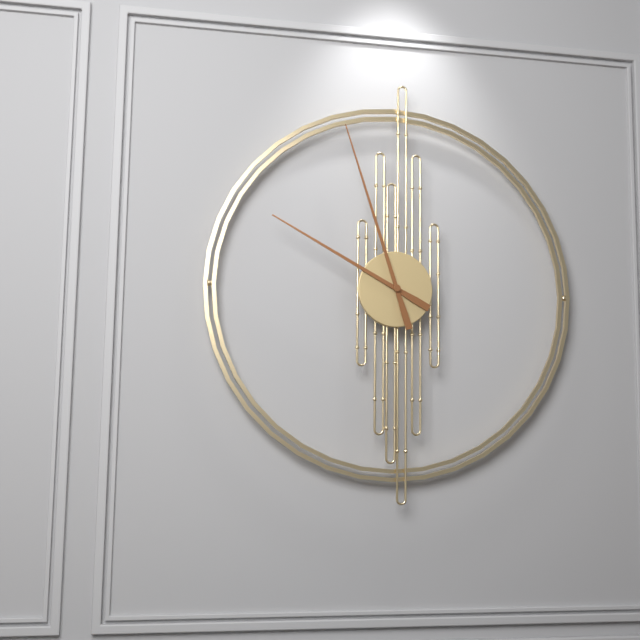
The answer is 9:57
